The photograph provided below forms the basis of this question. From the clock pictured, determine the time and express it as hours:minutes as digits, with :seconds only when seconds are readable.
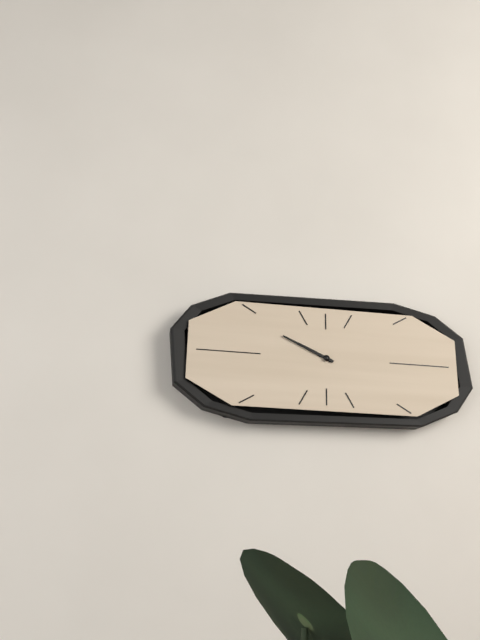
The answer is 9:49
